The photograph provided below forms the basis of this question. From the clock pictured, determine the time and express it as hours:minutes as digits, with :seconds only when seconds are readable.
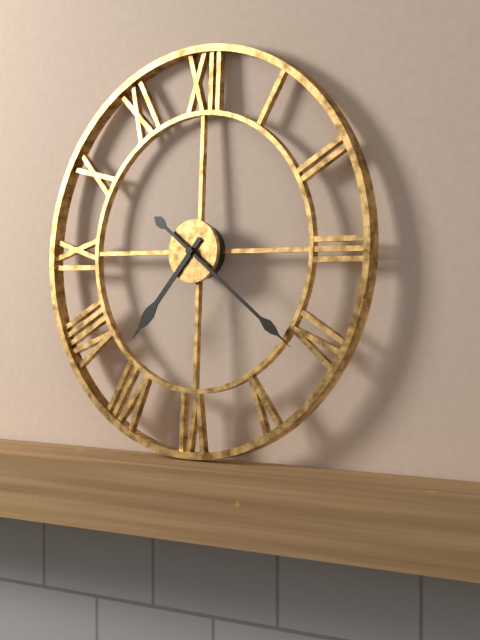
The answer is 7:21
